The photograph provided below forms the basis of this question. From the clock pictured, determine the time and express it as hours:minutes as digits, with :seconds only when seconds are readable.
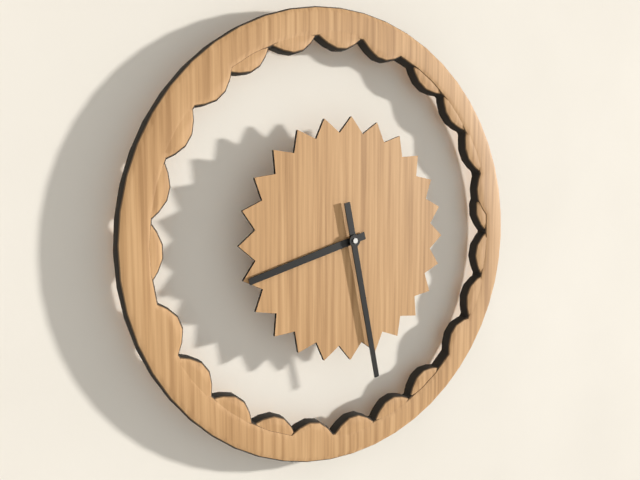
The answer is 8:28
